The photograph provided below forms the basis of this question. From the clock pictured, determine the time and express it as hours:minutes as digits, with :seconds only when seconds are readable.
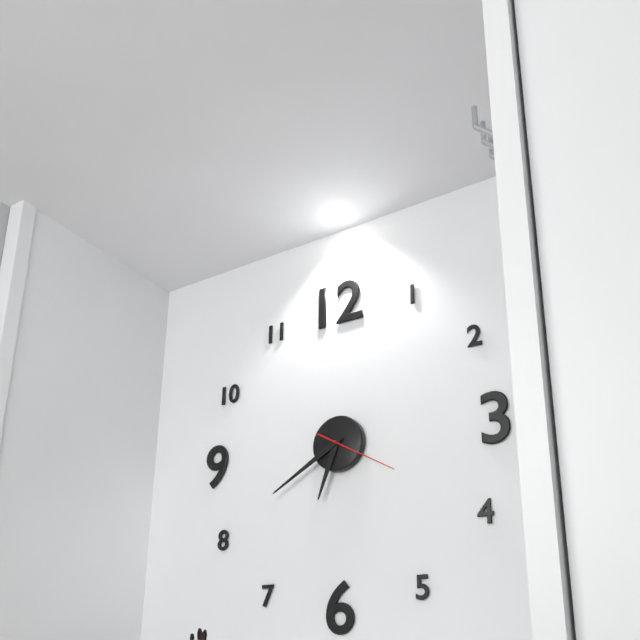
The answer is 6:40:20
